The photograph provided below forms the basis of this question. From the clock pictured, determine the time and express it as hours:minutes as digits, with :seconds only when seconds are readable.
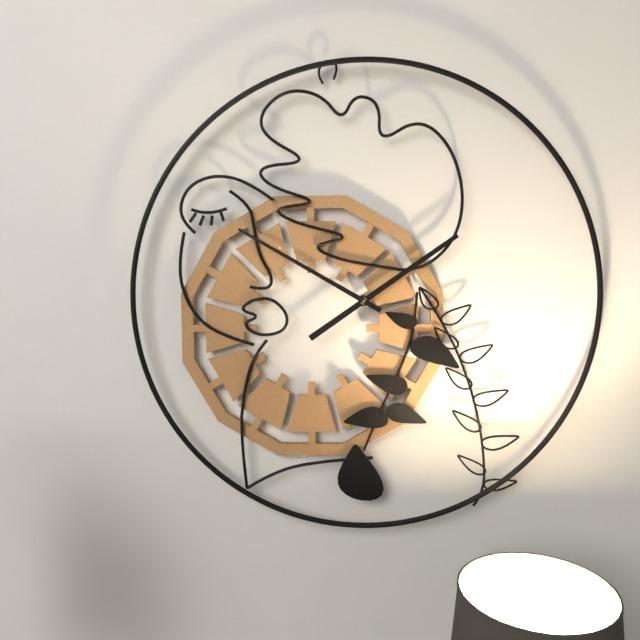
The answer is 1:50
